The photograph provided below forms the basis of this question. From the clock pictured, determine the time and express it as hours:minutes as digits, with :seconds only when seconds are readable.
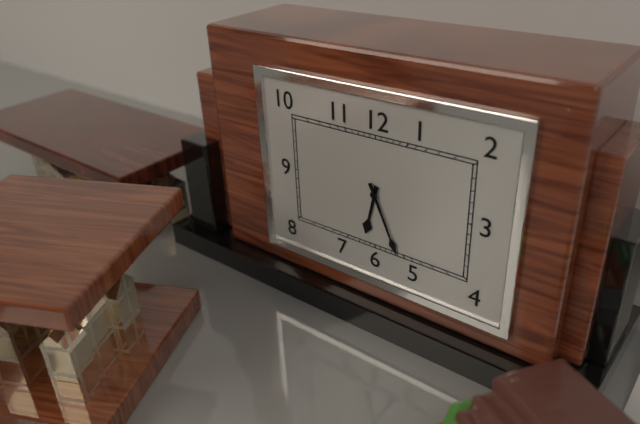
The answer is 6:26
